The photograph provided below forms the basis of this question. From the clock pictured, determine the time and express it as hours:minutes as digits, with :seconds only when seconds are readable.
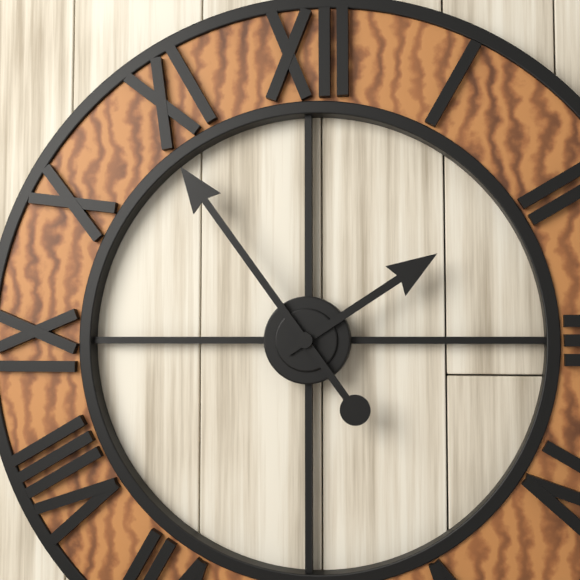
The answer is 1:54
